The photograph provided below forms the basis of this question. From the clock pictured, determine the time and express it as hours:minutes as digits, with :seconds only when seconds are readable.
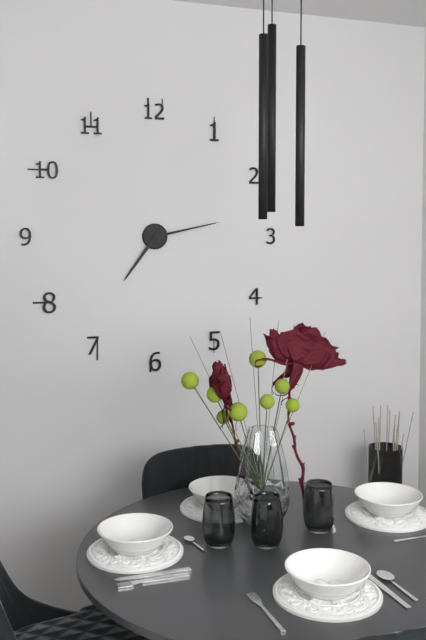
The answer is 7:13
